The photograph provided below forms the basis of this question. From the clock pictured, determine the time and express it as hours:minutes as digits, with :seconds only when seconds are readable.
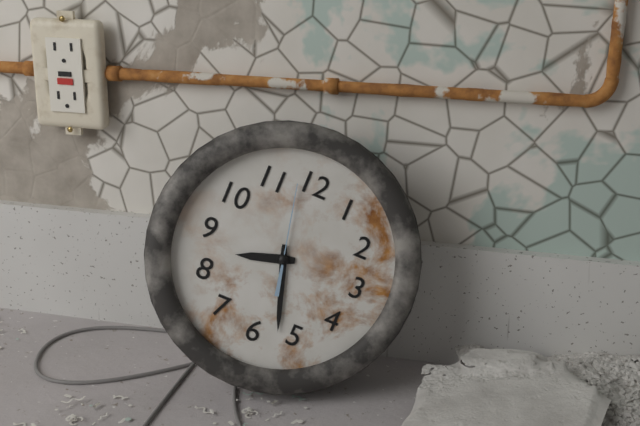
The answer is 8:27:58
